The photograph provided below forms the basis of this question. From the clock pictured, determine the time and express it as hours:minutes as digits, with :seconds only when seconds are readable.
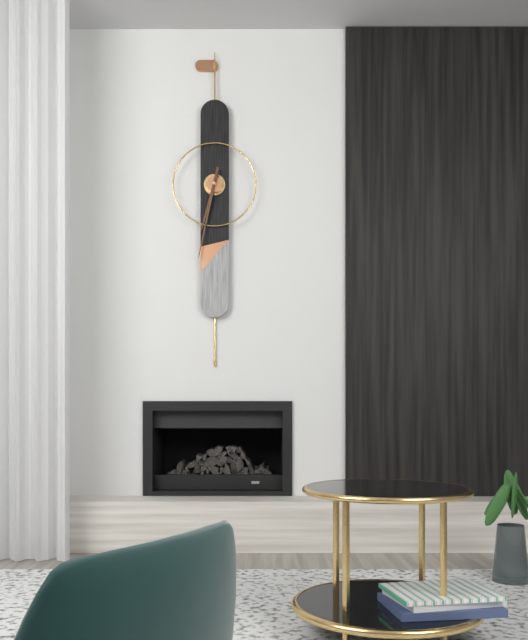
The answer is 6:32
